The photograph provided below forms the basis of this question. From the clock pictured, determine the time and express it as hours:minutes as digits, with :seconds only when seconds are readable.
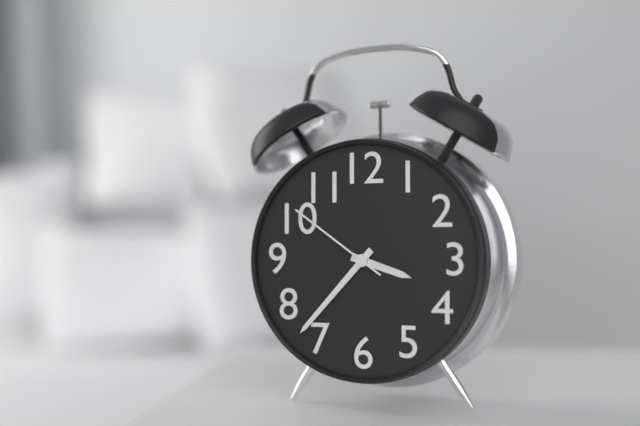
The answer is 3:37:51
